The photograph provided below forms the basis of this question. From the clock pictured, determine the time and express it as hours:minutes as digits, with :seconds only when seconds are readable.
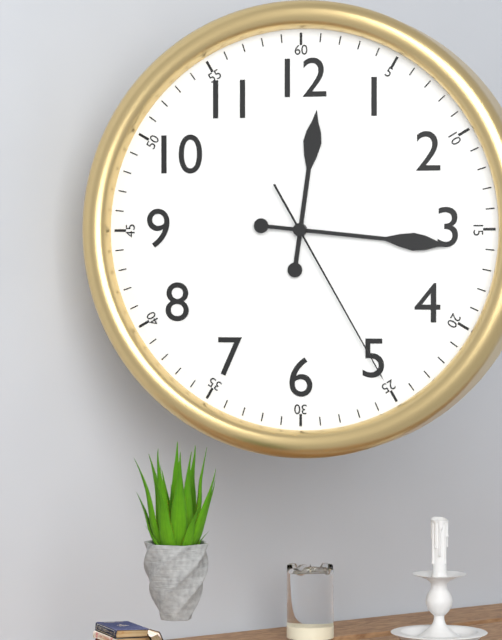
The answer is 12:16:25
